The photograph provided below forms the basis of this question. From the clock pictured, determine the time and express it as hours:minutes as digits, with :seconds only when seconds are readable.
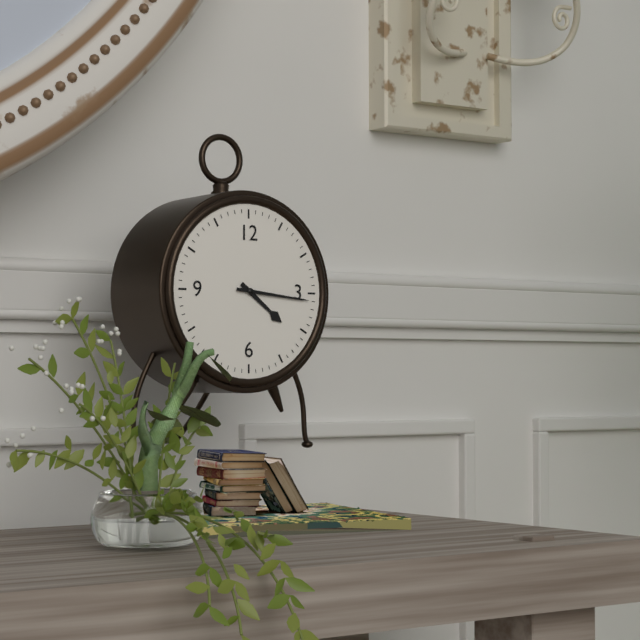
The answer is 4:16
